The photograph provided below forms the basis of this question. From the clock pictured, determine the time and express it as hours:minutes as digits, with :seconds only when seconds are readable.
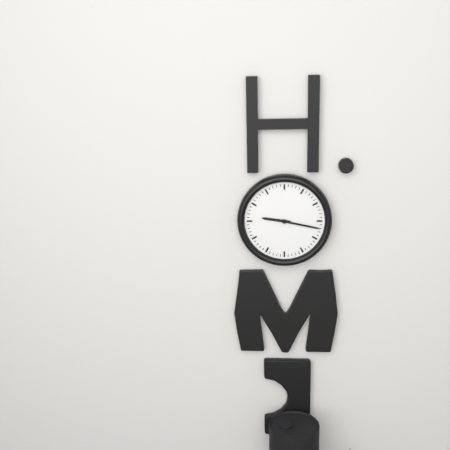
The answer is 9:17
